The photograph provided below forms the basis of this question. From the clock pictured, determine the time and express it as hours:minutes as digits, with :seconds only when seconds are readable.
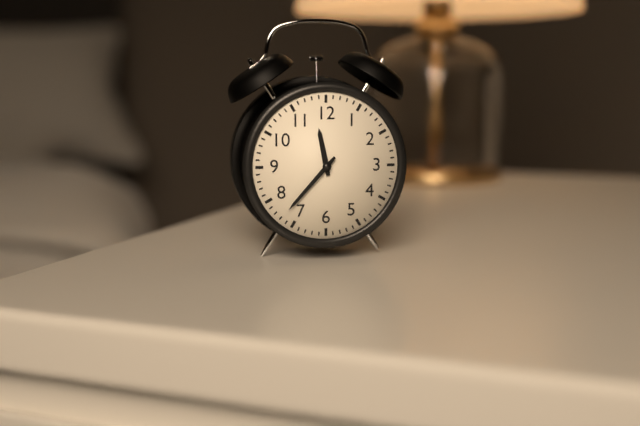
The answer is 11:37
